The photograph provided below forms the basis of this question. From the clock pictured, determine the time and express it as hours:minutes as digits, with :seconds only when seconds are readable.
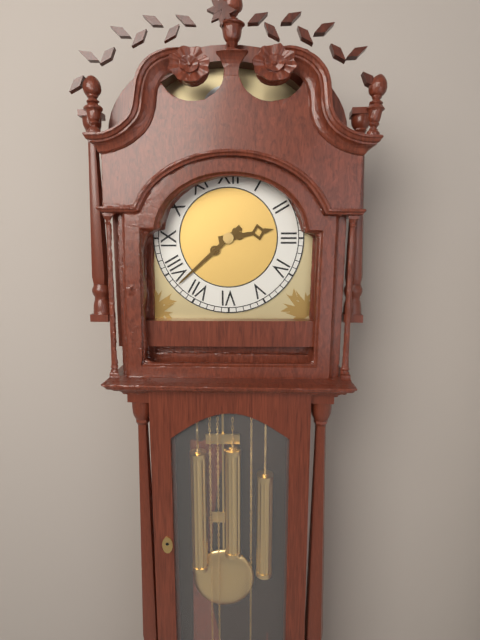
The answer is 2:38
